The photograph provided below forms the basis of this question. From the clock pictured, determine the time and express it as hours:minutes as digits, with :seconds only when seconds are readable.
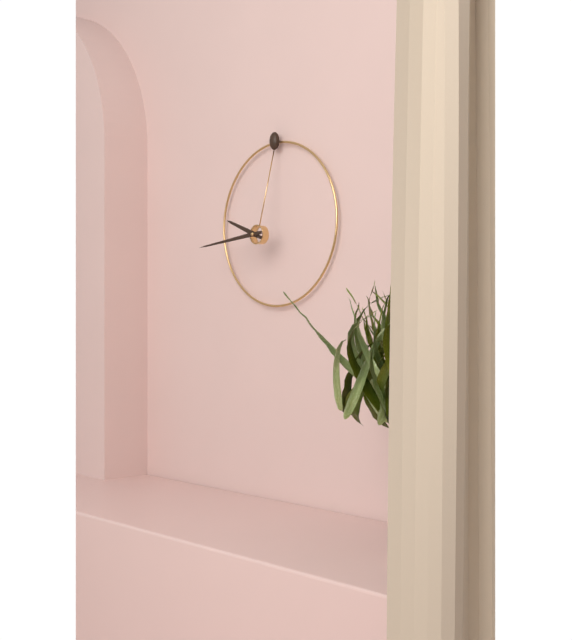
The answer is 9:44
